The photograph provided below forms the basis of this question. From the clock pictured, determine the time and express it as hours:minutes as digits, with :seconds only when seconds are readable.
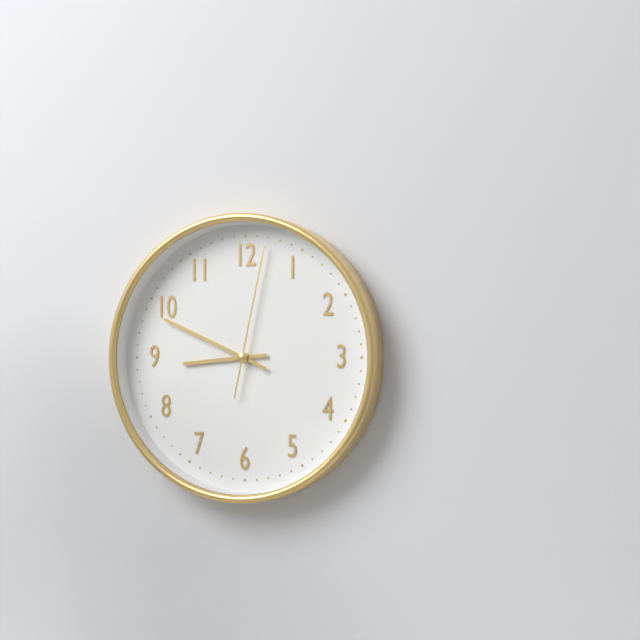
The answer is 8:49:02
